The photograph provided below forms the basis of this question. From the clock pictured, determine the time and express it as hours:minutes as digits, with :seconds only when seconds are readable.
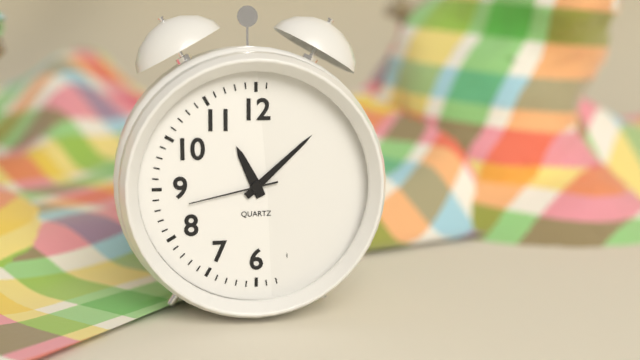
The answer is 11:08:43
